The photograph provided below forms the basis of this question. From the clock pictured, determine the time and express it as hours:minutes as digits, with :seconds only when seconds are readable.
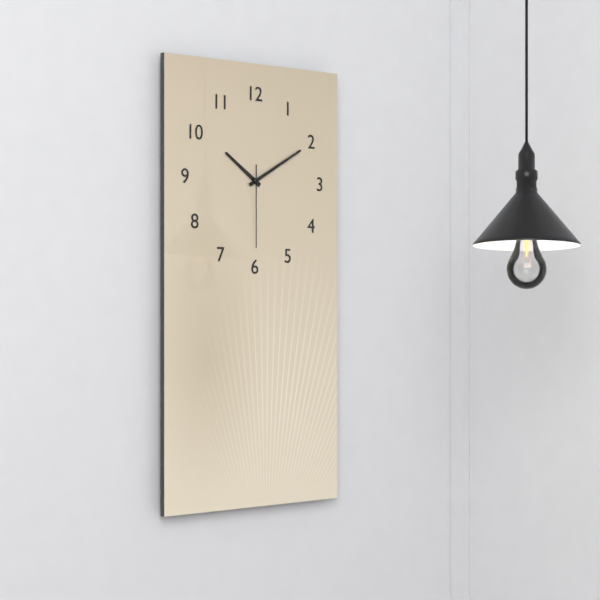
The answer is 10:10:30
